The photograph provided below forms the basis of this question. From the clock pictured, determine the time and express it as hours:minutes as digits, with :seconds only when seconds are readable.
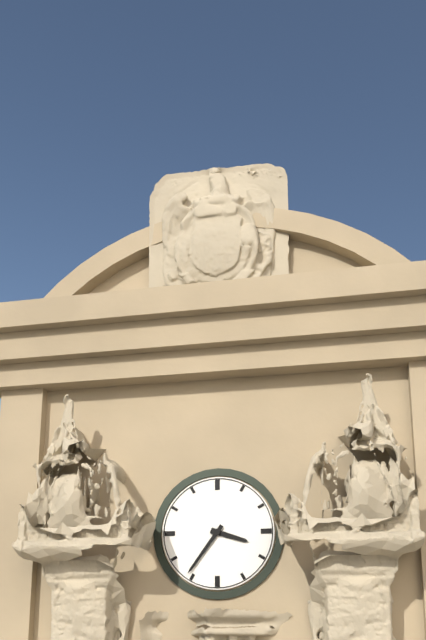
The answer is 3:36
